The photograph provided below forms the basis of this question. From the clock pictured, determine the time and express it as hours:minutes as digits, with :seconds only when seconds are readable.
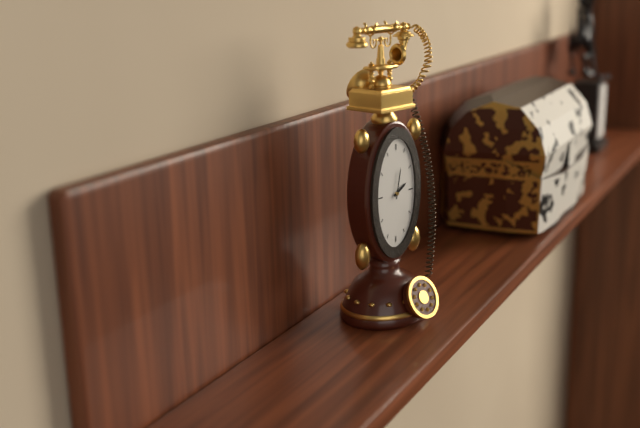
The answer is 2:02
